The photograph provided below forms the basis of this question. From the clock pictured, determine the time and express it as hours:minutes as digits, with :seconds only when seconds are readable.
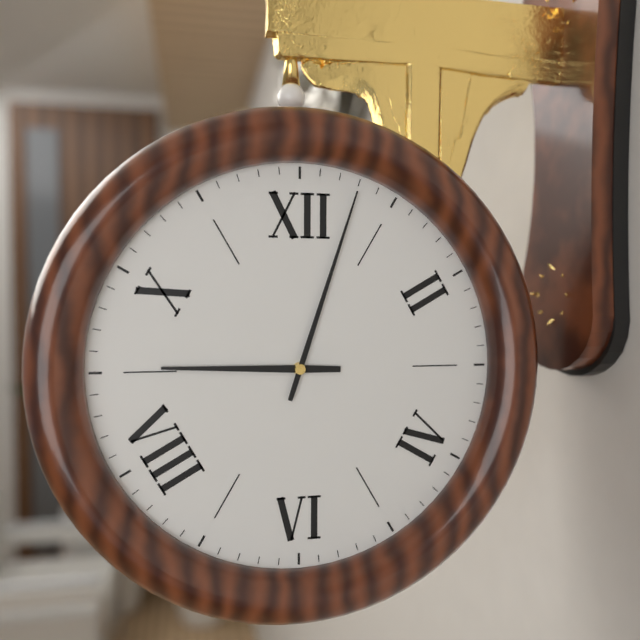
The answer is 9:03
